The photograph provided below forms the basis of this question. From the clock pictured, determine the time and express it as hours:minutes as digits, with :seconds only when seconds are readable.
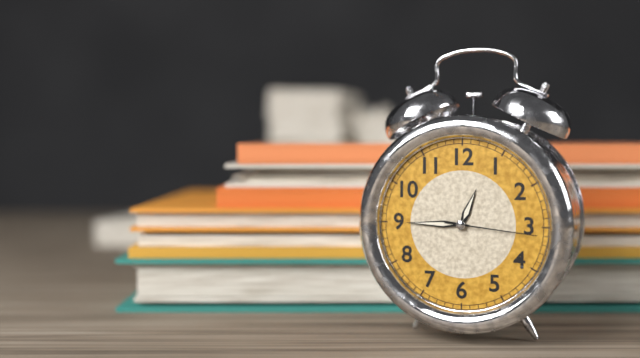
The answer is 12:45:16
